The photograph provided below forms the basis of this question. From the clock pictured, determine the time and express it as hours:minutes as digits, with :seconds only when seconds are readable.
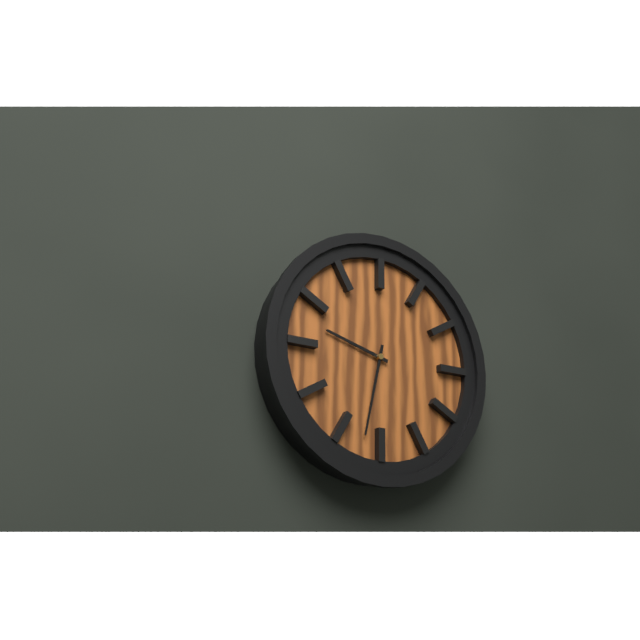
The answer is 9:32
